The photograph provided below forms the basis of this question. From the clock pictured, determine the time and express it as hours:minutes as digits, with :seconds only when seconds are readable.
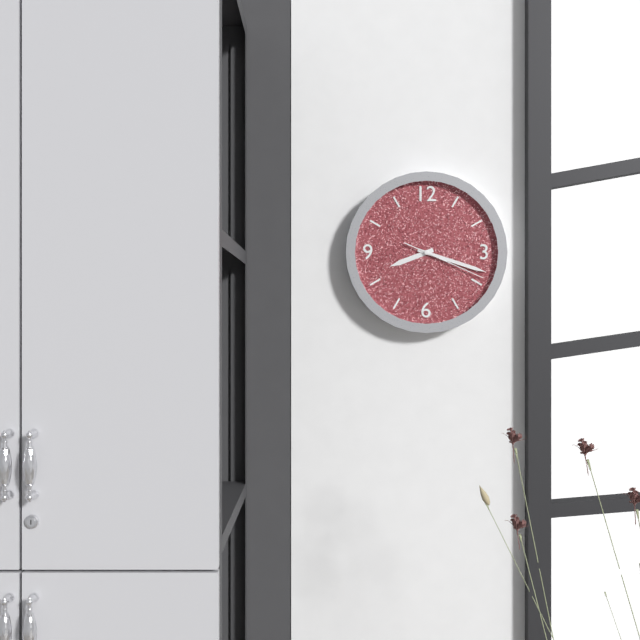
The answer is 8:18:19
